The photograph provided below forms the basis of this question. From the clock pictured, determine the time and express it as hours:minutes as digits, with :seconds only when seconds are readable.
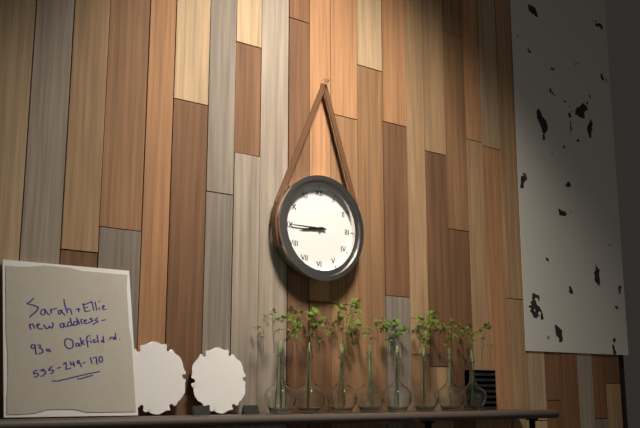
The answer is 8:45
